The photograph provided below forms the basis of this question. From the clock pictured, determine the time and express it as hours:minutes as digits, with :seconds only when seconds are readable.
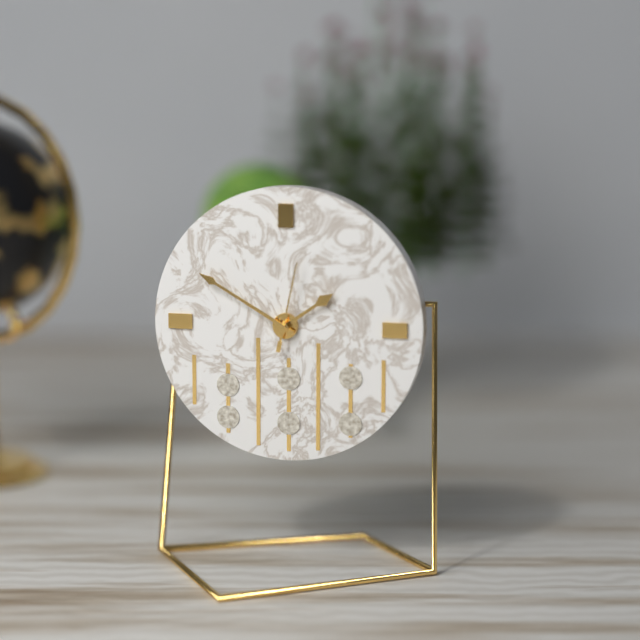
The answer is 1:50:02
